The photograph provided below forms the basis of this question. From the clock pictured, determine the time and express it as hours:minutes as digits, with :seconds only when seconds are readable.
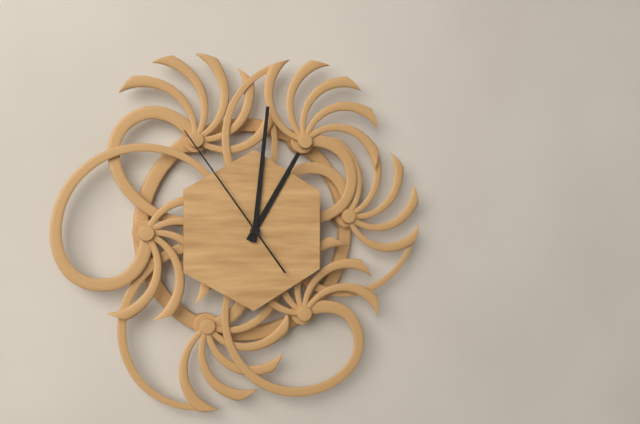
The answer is 1:01:54
